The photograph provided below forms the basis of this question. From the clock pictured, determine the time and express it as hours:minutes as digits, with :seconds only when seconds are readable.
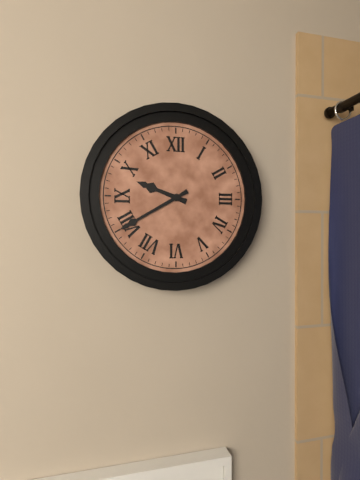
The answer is 9:40
